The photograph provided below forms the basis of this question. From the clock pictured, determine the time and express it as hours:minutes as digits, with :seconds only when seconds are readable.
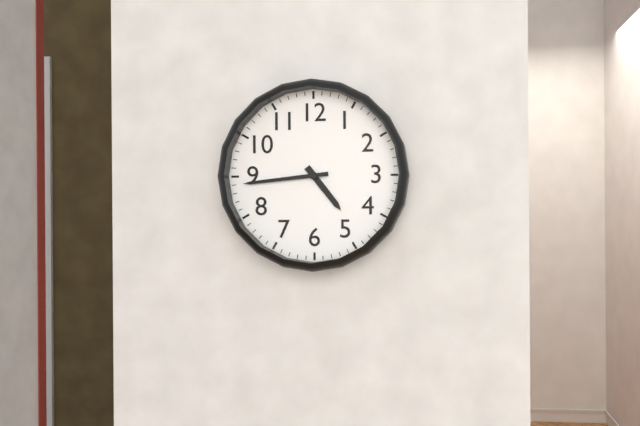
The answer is 4:44
